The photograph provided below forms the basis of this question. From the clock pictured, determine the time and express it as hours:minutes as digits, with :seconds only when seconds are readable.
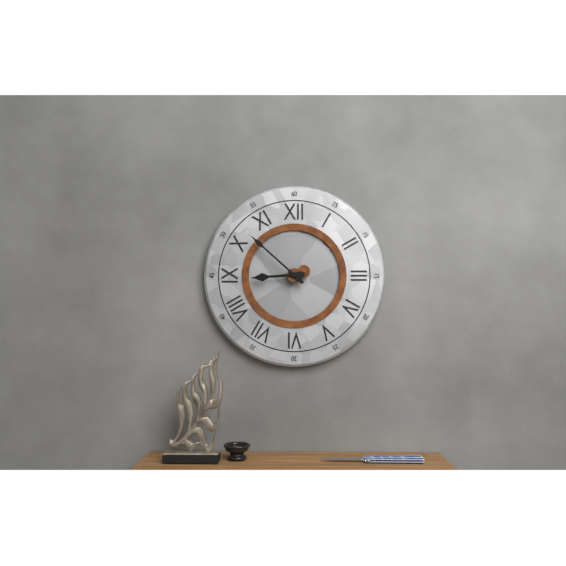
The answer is 8:52
